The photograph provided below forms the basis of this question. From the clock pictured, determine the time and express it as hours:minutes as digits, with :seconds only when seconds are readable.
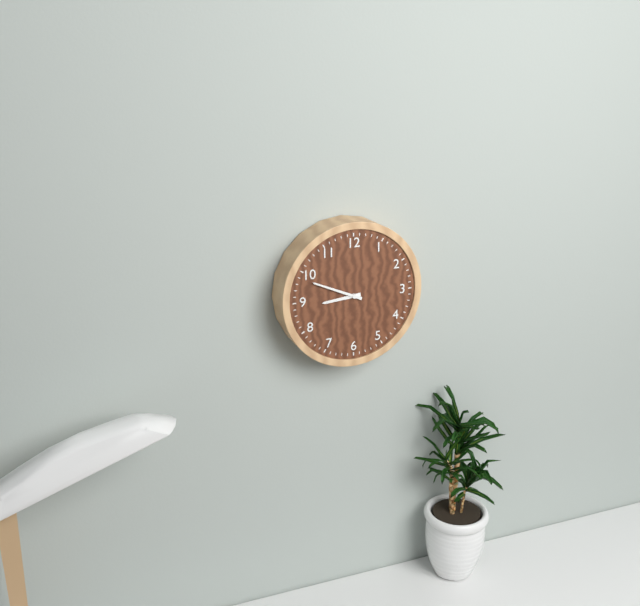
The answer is 8:49
